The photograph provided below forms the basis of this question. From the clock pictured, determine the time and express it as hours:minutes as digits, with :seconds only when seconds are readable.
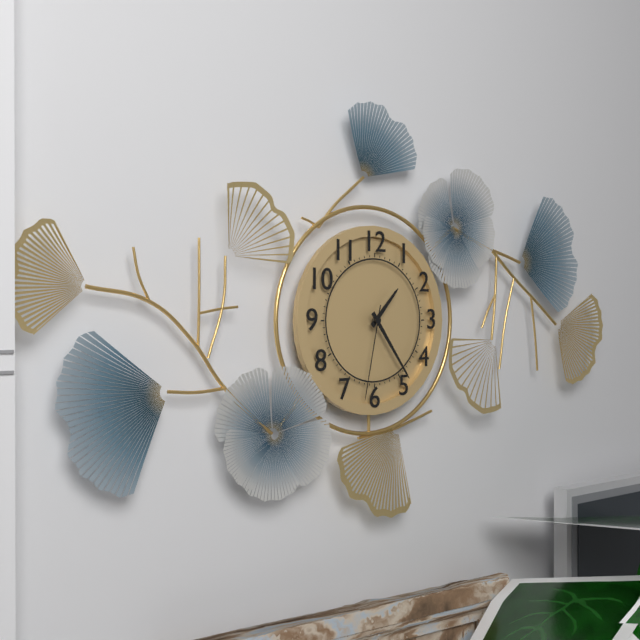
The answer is 1:24:32
